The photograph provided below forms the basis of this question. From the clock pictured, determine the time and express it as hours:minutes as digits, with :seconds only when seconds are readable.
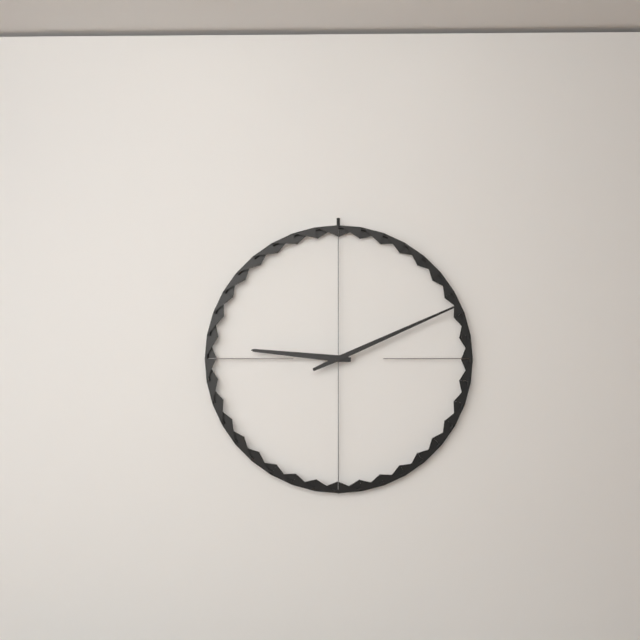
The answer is 9:11
